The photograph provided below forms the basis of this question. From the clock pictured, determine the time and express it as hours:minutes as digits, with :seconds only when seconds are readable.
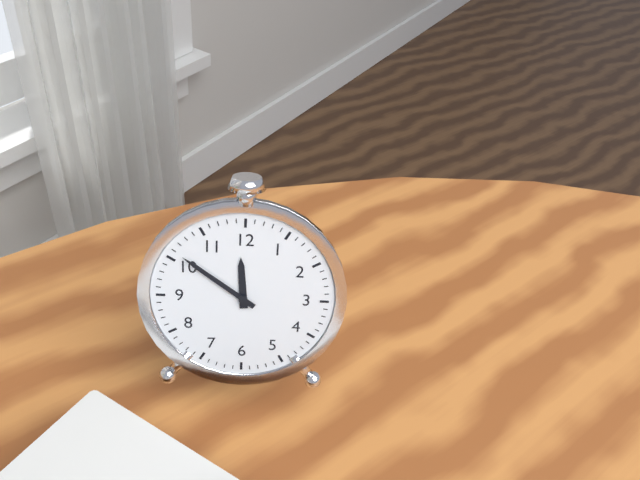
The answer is 11:51
